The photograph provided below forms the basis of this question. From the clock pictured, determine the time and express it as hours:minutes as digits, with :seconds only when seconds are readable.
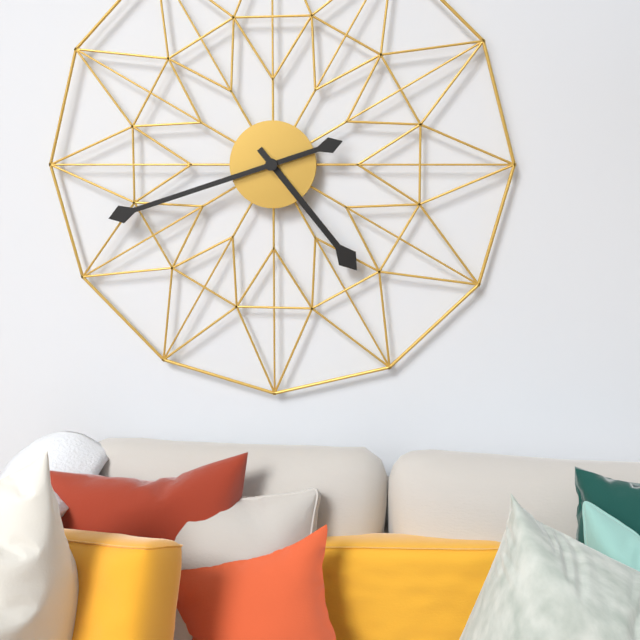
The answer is 4:42
